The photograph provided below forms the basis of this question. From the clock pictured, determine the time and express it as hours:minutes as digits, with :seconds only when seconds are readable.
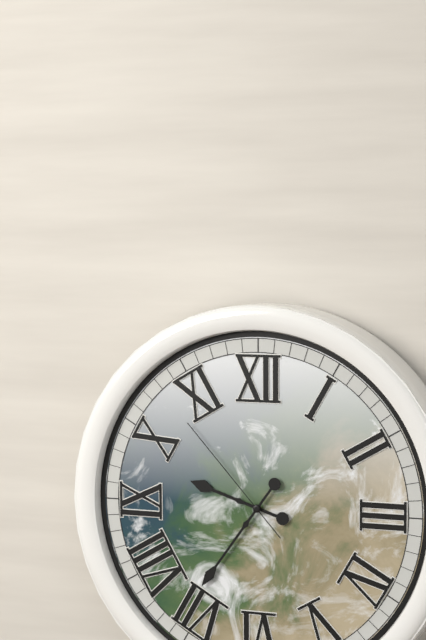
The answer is 9:36:53
